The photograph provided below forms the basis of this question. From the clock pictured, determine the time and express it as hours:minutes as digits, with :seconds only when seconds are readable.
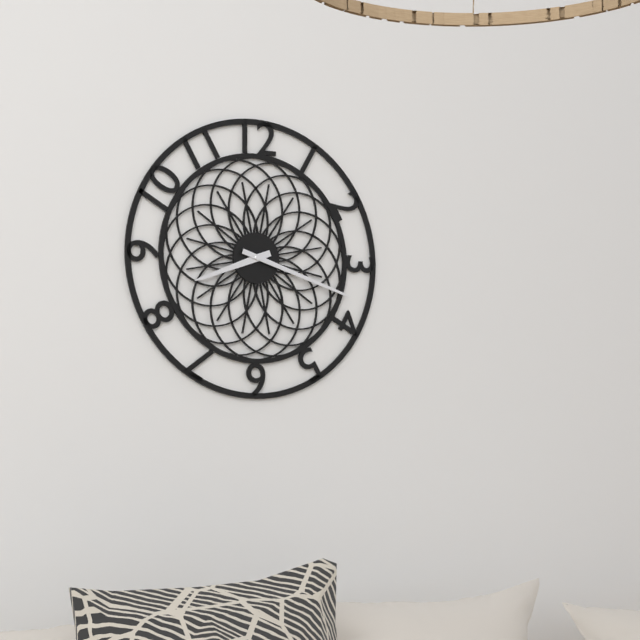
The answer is 8:18
